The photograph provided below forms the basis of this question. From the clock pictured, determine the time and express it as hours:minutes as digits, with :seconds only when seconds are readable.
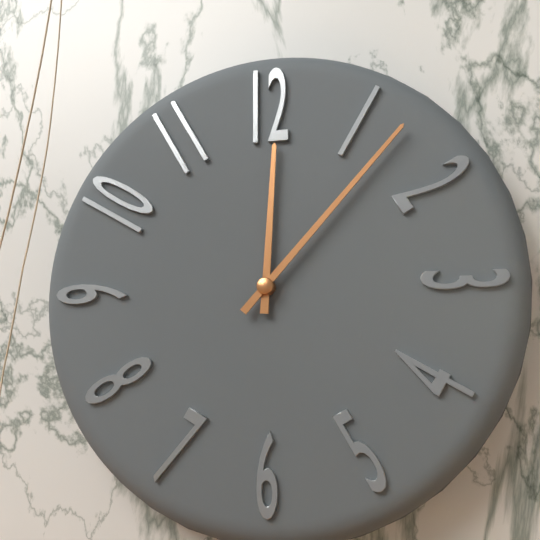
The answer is 12:07
